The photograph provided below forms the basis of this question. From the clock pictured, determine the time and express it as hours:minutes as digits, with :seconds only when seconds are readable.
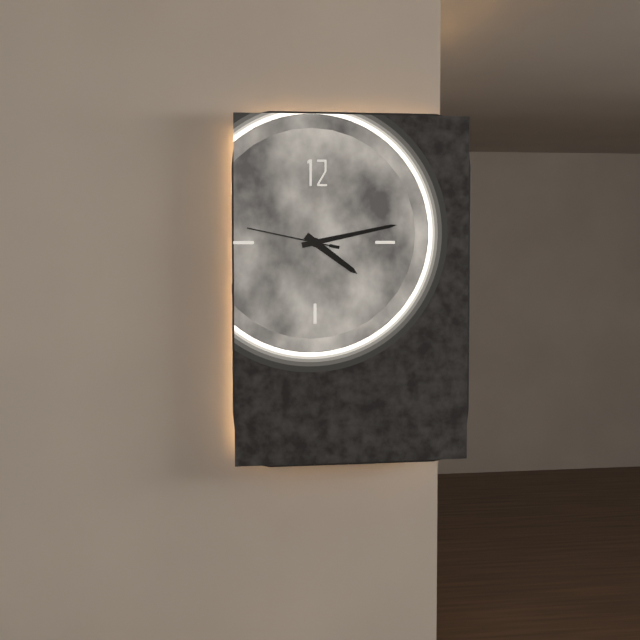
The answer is 4:13:47
